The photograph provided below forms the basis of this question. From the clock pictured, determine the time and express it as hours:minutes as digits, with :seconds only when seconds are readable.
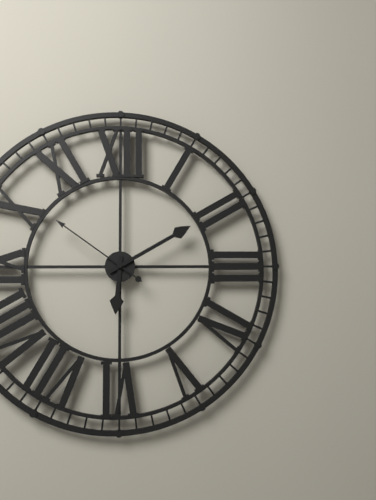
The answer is 6:10:51
